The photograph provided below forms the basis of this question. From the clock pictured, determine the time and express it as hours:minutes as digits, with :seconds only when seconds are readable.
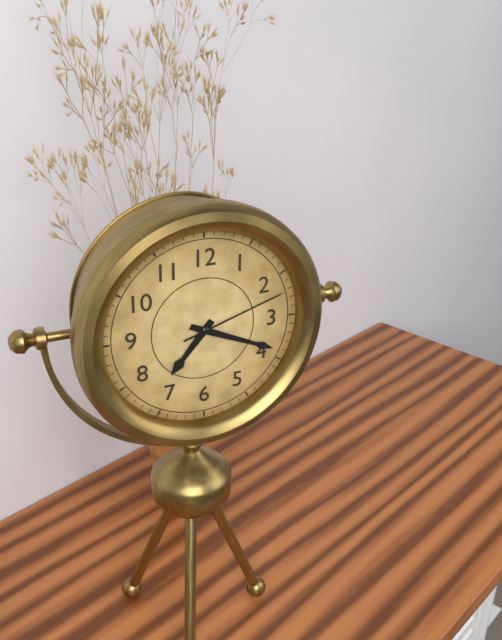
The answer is 7:19:12
